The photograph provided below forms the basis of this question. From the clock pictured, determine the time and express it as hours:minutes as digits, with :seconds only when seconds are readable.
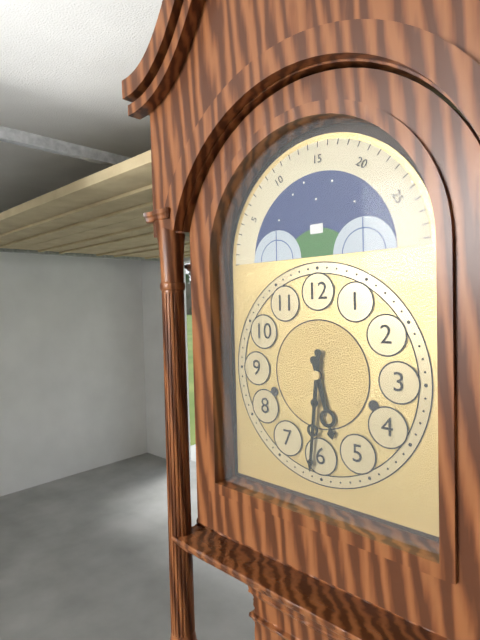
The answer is 5:31
